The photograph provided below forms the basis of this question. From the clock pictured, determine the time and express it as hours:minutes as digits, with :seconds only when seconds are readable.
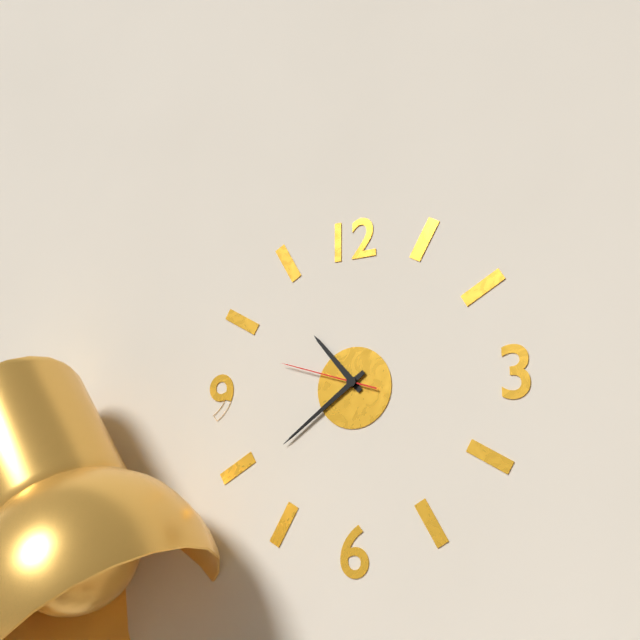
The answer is 10:39:48
